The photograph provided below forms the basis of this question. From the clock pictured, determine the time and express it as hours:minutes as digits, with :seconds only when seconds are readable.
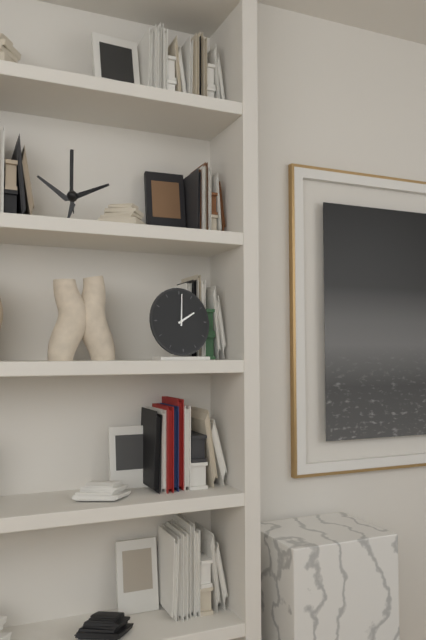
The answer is 2:01
